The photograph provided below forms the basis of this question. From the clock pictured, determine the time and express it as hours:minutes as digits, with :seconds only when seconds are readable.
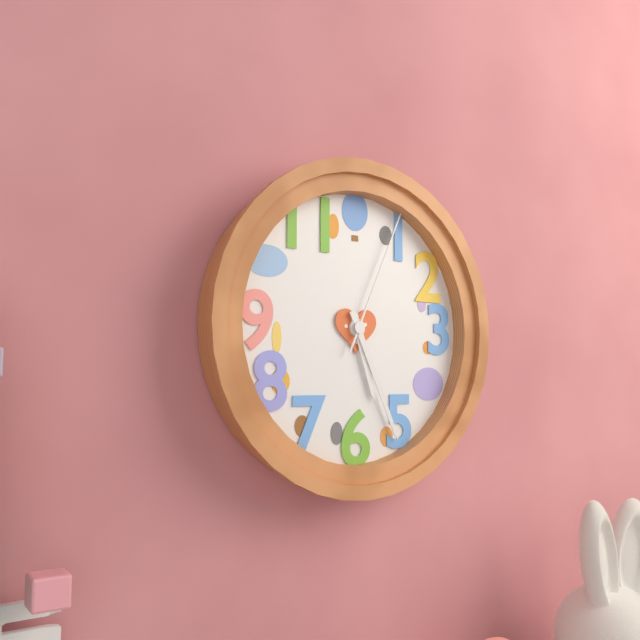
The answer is 5:26:04
